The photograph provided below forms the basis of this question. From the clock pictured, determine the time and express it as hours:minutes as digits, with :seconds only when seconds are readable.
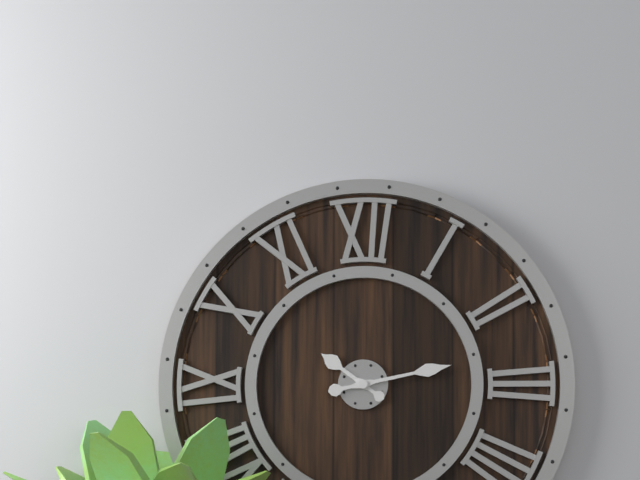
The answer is 10:13
